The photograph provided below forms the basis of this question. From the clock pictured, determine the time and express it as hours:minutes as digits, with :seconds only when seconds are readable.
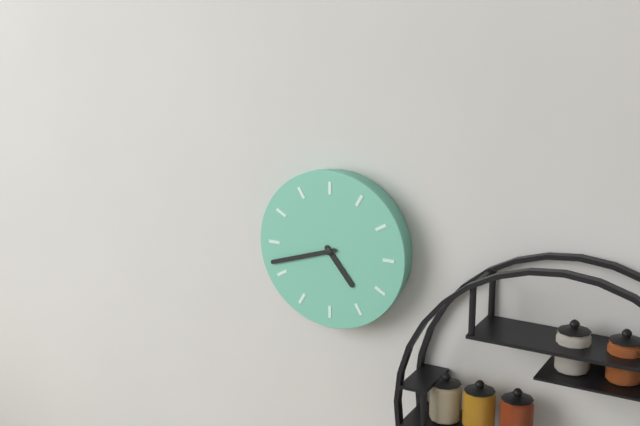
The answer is 4:42
